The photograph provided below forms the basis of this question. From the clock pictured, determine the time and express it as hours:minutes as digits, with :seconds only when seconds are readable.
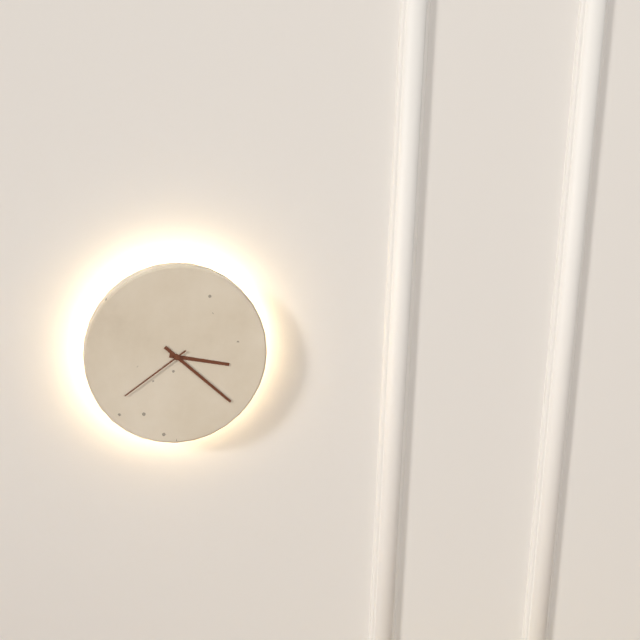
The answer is 3:22:39
